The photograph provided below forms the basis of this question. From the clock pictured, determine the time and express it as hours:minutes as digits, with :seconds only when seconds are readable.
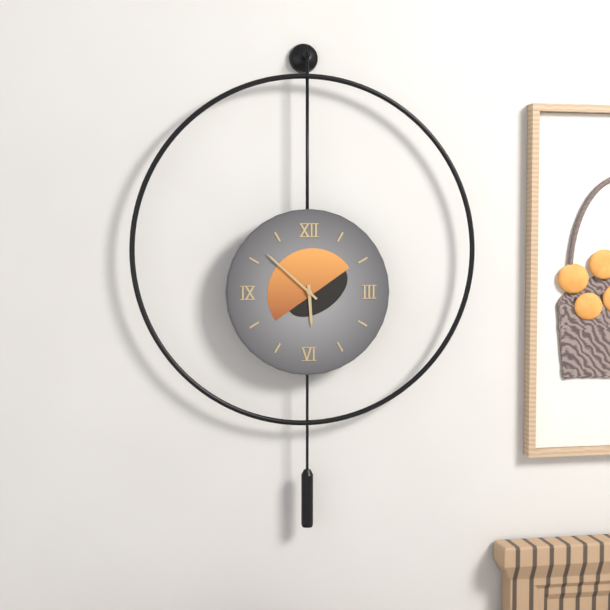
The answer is 5:52
